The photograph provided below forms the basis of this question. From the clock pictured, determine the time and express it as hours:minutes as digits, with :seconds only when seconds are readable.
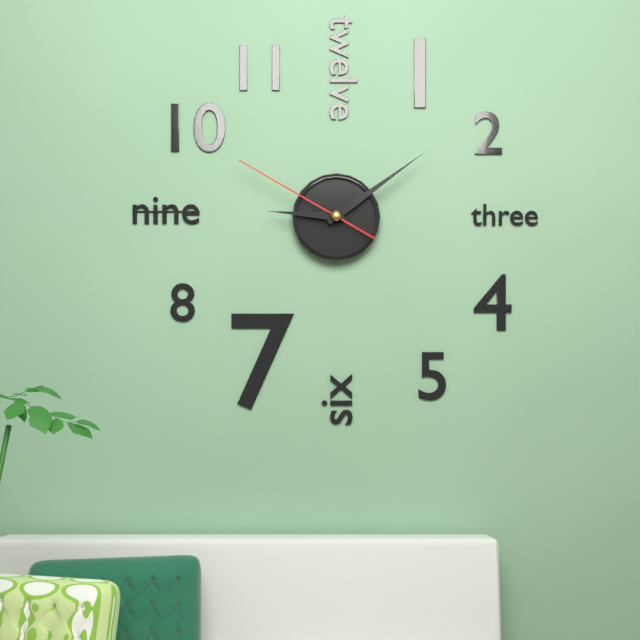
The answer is 9:09:50
